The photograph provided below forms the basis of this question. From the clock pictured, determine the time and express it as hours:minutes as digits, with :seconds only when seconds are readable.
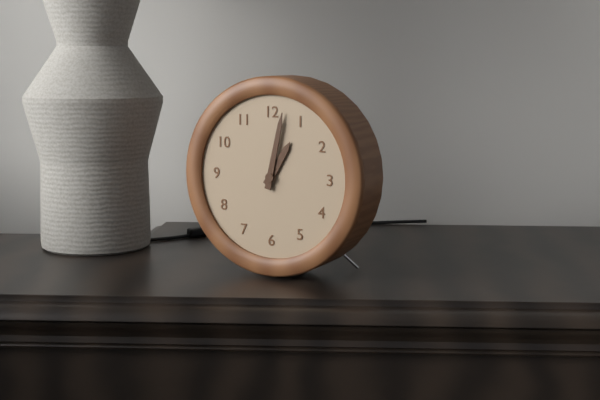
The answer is 1:02
